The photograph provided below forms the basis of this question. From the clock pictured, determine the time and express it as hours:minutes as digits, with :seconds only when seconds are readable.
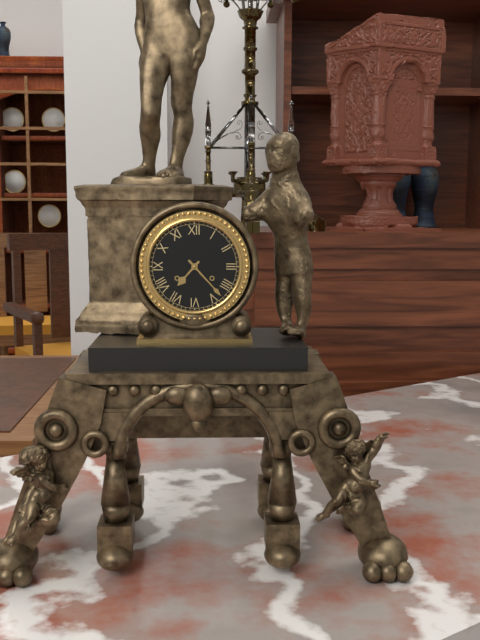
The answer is 7:23
